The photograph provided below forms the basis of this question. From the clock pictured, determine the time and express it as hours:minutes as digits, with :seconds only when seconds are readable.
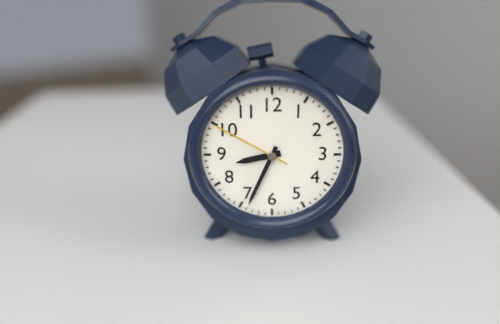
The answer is 8:34:50
